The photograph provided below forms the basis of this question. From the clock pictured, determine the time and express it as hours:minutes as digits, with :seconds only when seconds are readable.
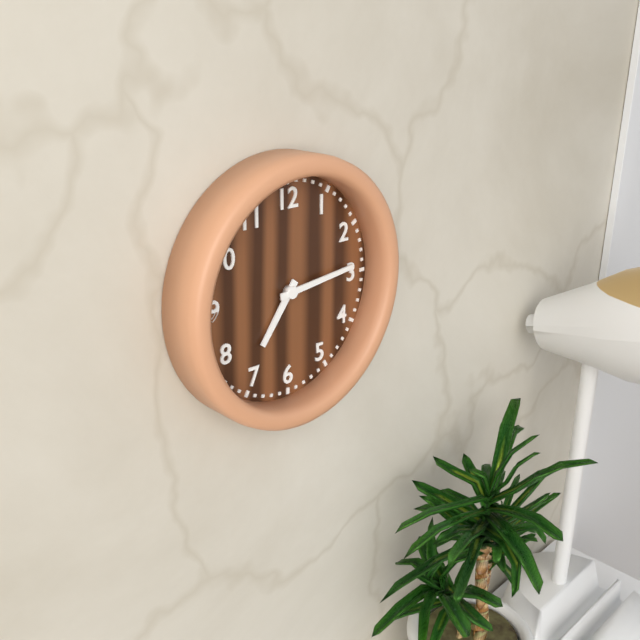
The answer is 7:14
